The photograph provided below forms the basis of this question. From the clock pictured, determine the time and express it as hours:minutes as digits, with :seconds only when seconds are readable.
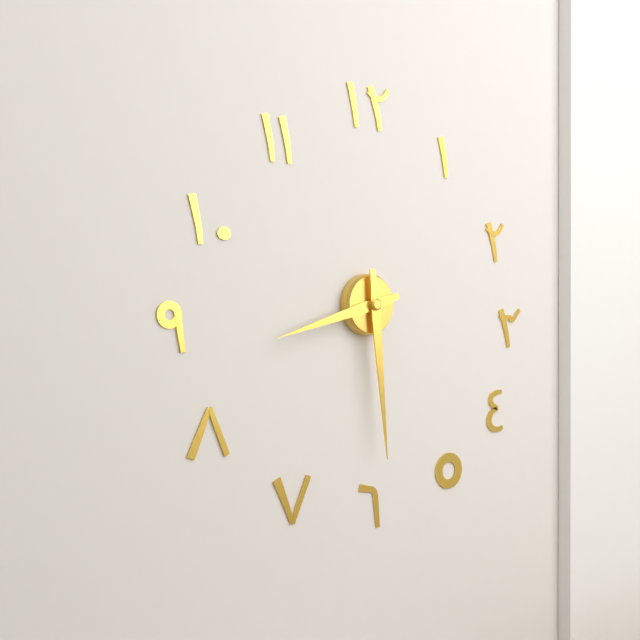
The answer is 8:29
